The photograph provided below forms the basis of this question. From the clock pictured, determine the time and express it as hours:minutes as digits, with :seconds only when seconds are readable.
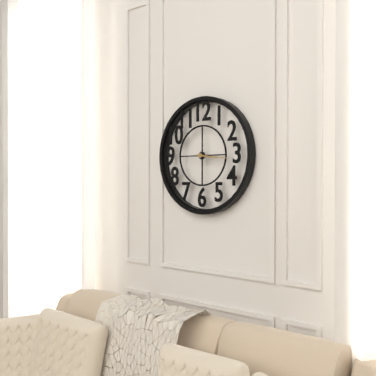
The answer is 3:16
